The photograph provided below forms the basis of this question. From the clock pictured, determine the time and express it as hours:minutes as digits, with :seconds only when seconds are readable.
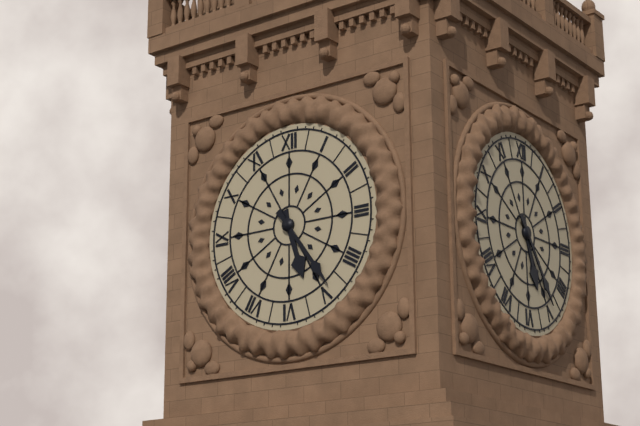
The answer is 5:24
